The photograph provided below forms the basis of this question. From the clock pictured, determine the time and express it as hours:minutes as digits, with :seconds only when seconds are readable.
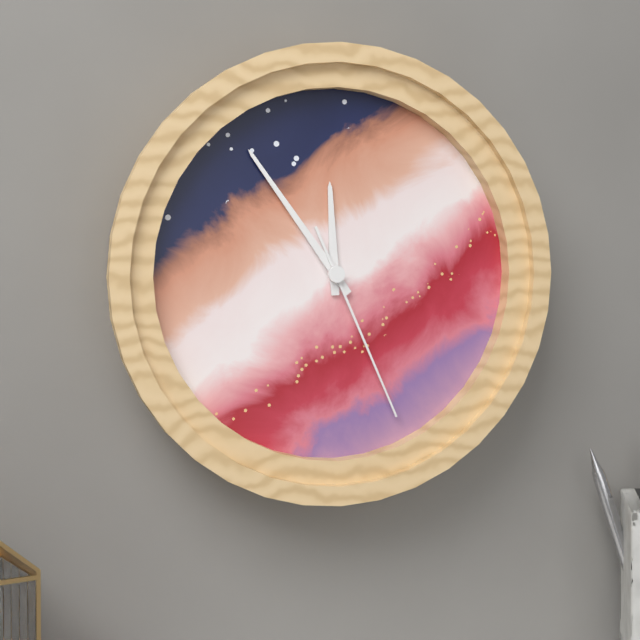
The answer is 11:54:26
